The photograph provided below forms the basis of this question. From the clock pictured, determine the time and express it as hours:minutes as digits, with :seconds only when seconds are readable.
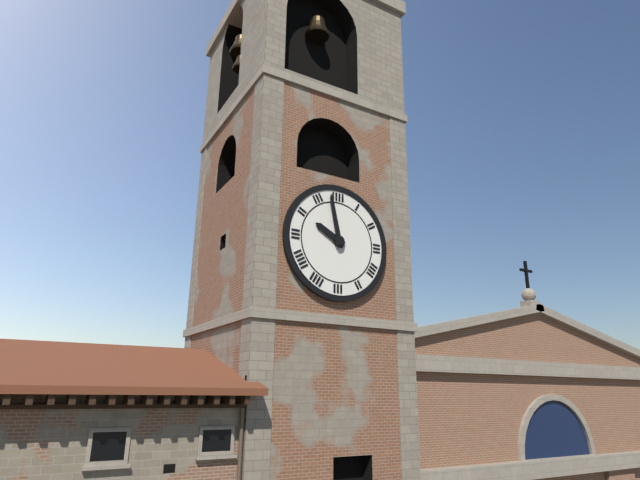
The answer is 9:58
